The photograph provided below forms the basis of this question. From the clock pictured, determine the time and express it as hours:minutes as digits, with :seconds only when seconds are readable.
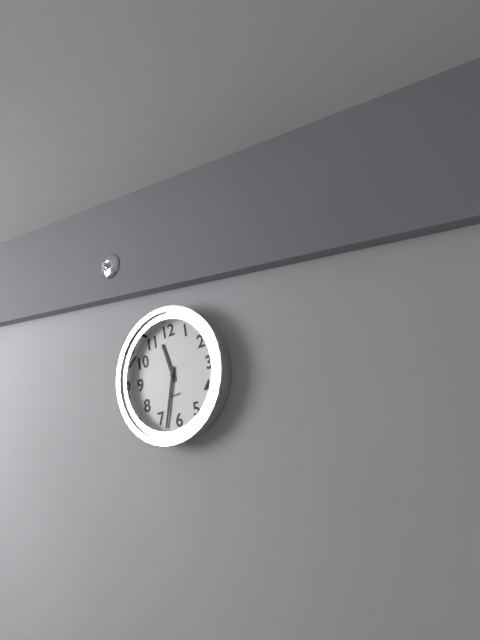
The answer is 11:33
